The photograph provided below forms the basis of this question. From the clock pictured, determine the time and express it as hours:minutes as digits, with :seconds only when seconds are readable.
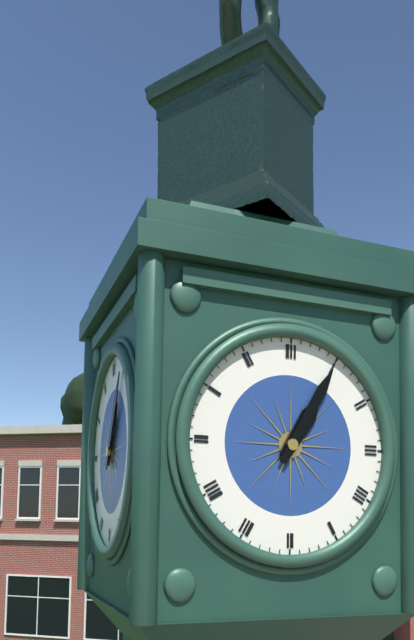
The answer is 1:05
